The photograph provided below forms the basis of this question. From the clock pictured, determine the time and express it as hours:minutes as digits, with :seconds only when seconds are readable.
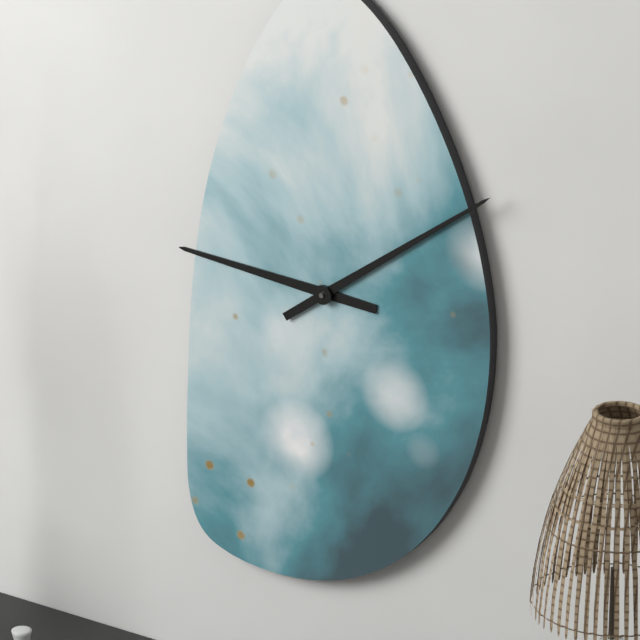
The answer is 9:09
